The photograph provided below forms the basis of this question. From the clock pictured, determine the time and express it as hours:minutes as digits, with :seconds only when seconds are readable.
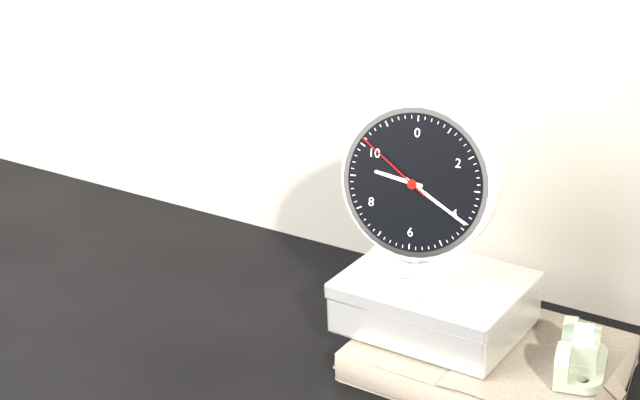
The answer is 9:20:51
